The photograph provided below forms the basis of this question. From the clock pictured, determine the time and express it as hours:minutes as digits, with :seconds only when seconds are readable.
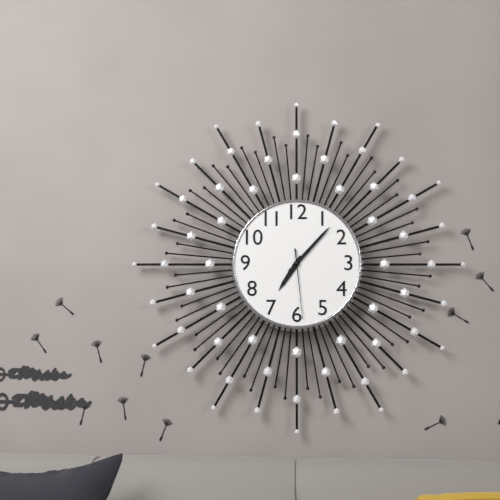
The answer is 7:07:29
